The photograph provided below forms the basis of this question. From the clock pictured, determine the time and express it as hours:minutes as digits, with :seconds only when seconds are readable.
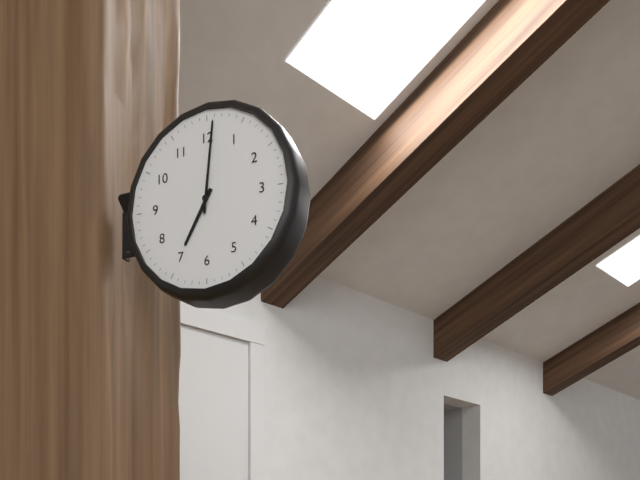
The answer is 7:01
